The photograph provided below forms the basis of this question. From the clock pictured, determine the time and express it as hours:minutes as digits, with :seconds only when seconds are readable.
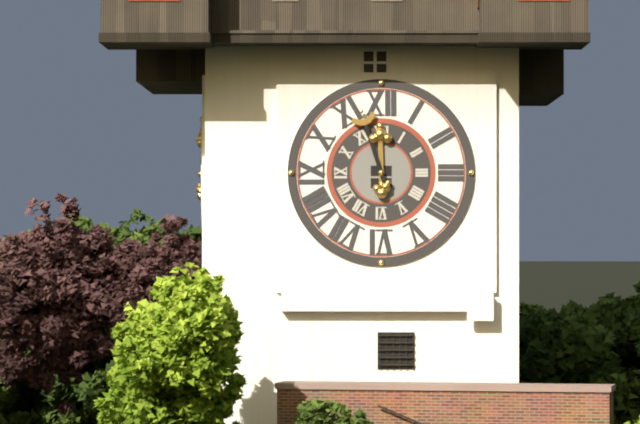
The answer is 11:57
